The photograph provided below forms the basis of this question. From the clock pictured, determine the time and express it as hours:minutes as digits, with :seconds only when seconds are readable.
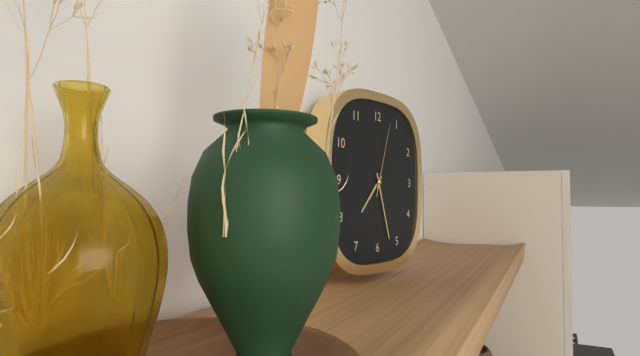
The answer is 7:27:03
